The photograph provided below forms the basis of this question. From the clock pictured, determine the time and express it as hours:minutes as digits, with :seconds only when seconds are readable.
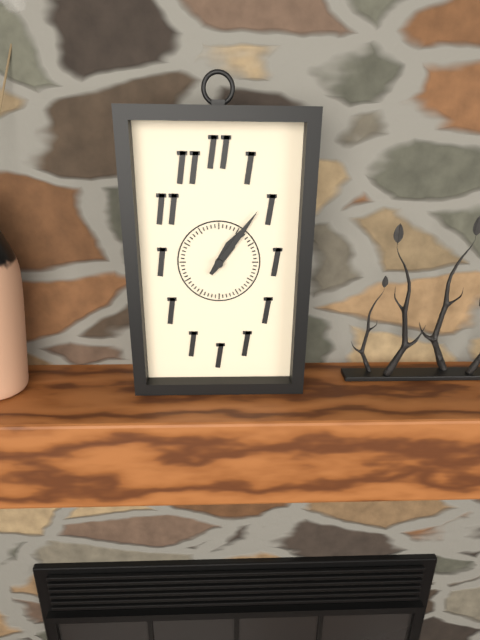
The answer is 1:06
